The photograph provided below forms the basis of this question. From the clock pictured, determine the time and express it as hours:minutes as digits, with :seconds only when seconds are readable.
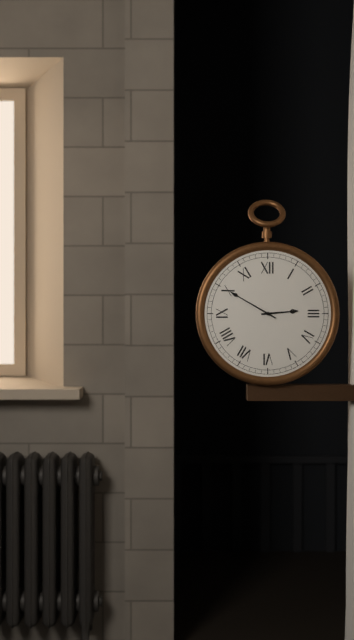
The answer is 2:50
